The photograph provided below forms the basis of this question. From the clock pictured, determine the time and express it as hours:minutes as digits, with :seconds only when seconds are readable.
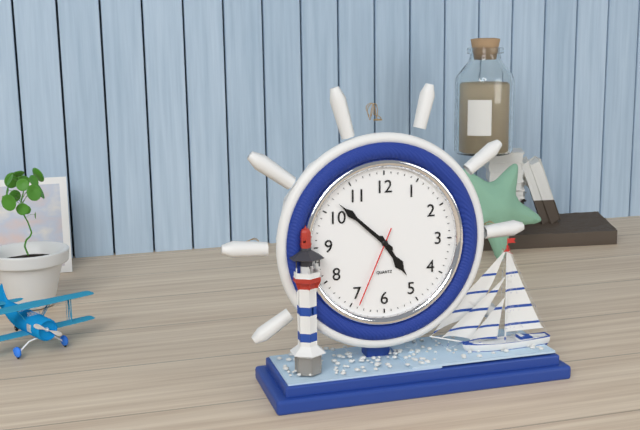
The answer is 4:52:34
